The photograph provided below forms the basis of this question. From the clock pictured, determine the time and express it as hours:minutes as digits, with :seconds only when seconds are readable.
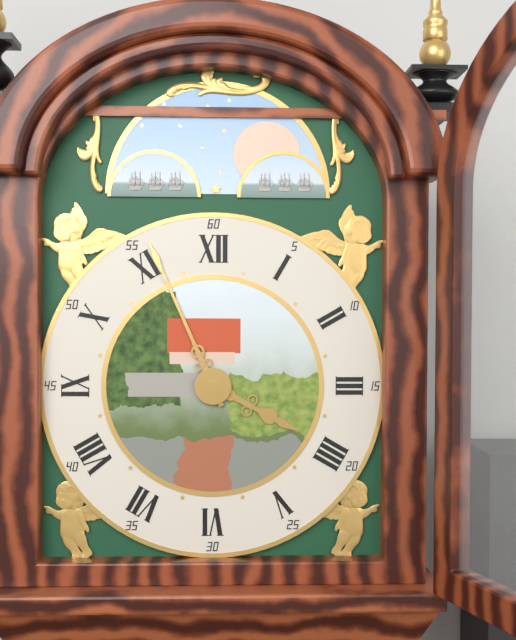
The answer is 3:56
